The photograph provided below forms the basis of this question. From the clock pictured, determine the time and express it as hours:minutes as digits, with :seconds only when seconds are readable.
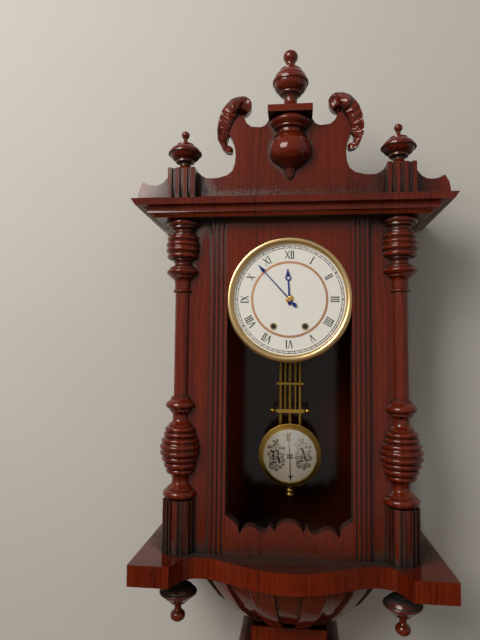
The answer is 11:53
